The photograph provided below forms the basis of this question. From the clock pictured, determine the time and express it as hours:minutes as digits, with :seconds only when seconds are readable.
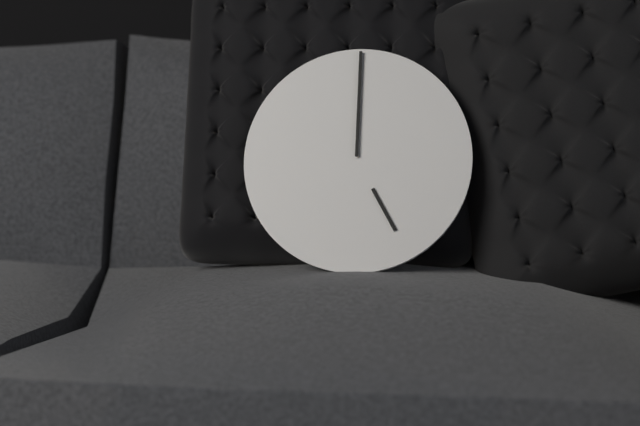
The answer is 5:00
